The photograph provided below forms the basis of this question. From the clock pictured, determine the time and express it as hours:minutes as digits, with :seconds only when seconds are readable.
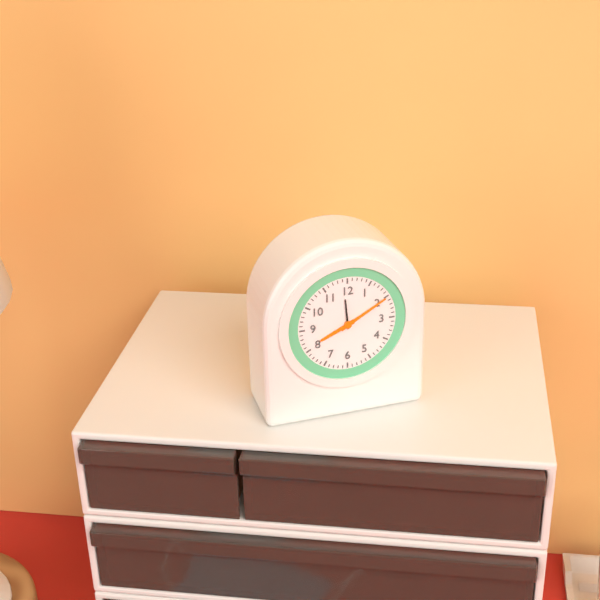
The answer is 8:10
